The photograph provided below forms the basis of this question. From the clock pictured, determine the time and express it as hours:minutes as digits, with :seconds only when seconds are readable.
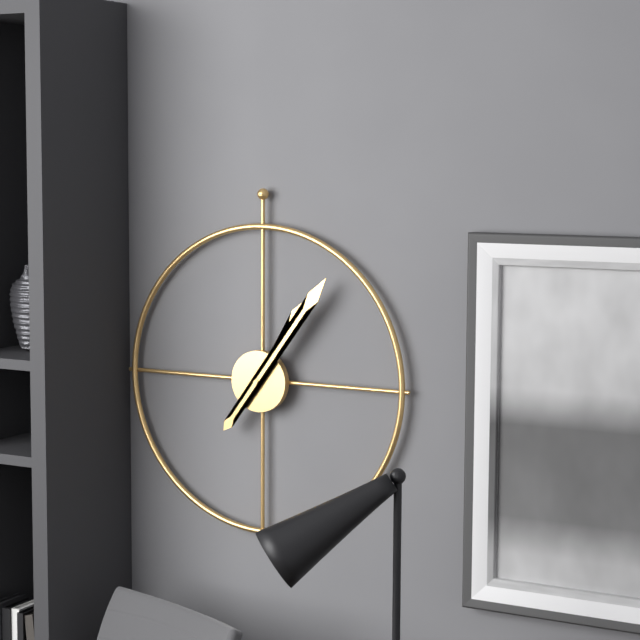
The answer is 1:06
